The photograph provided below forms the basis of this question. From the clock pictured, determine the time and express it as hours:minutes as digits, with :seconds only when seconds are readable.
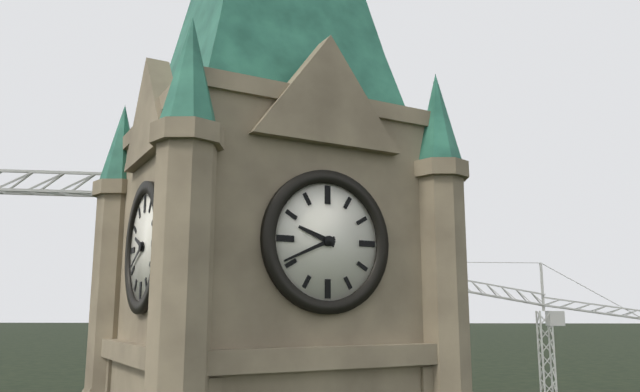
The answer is 9:41
